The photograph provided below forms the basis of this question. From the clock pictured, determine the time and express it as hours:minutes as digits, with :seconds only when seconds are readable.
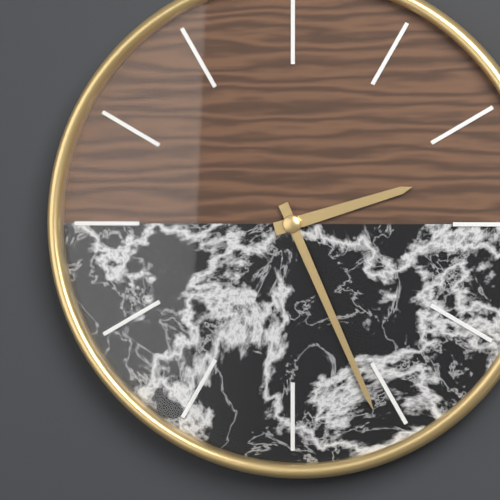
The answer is 2:26
